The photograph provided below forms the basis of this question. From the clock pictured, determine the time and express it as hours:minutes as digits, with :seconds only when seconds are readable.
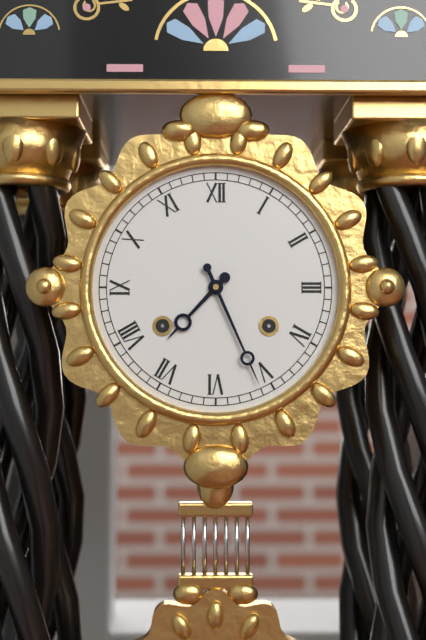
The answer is 7:26
